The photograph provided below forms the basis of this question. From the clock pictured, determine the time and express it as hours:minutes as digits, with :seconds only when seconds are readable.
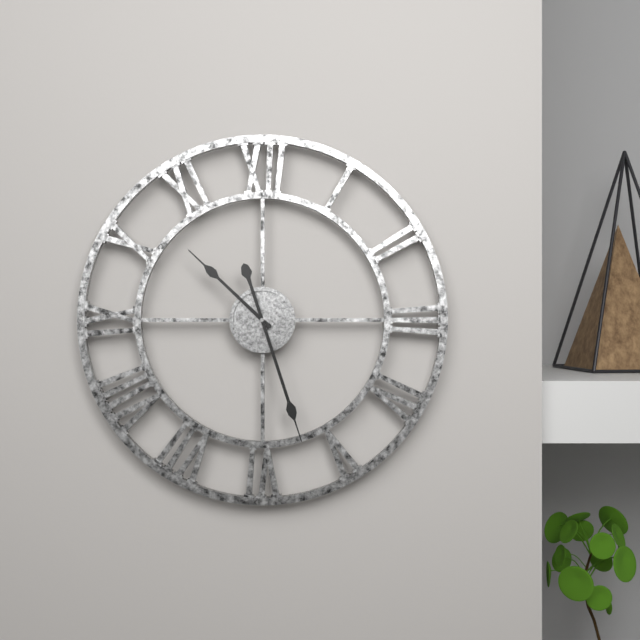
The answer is 10:27
